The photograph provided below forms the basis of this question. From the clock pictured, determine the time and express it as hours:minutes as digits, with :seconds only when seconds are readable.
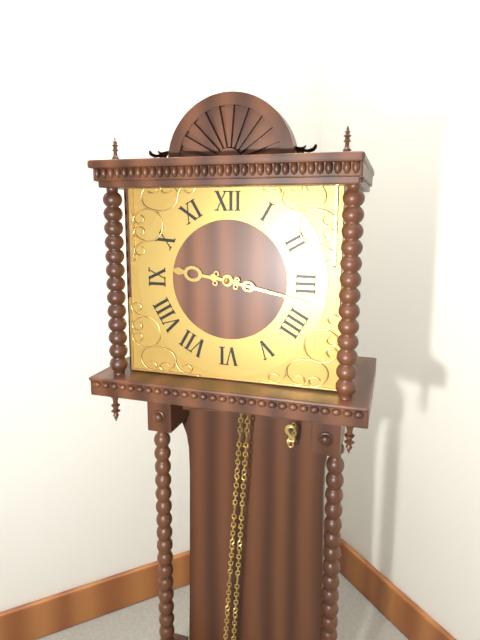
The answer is 9:17
